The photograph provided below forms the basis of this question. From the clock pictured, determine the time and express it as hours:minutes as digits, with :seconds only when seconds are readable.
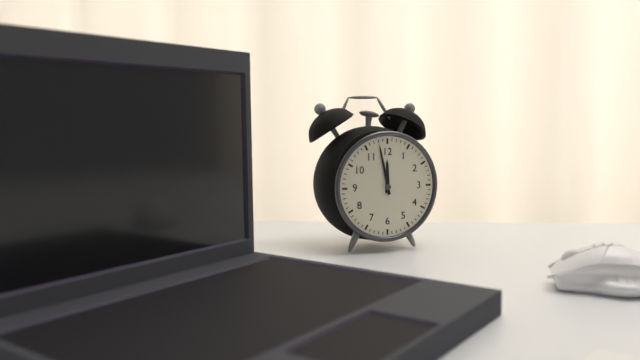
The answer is 11:58
